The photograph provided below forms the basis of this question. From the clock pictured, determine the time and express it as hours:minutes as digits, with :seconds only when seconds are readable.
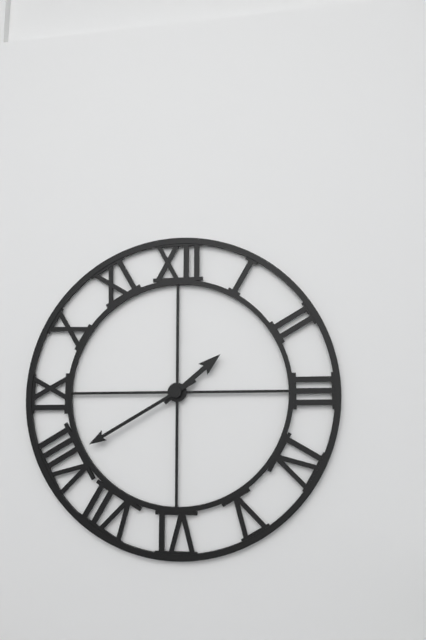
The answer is 1:40
